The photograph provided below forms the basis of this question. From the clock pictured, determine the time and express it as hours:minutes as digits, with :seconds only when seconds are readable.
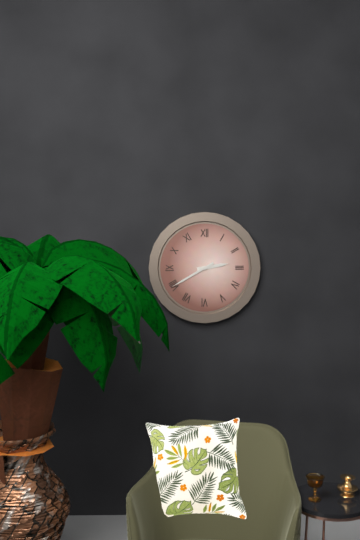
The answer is 2:40
